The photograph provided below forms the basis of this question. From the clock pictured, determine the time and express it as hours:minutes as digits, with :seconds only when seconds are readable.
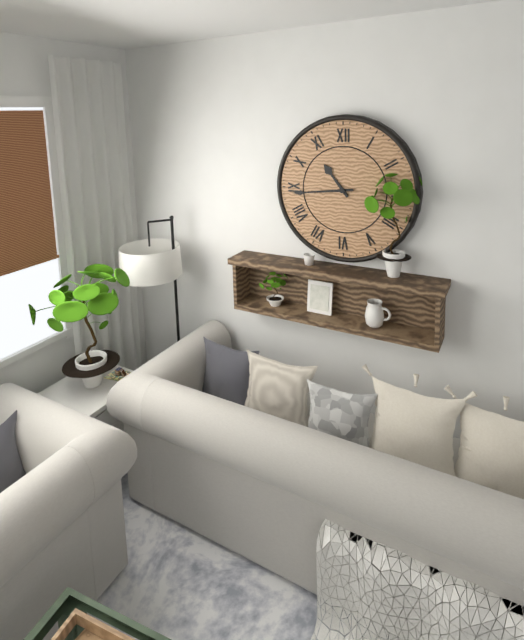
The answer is 10:44
